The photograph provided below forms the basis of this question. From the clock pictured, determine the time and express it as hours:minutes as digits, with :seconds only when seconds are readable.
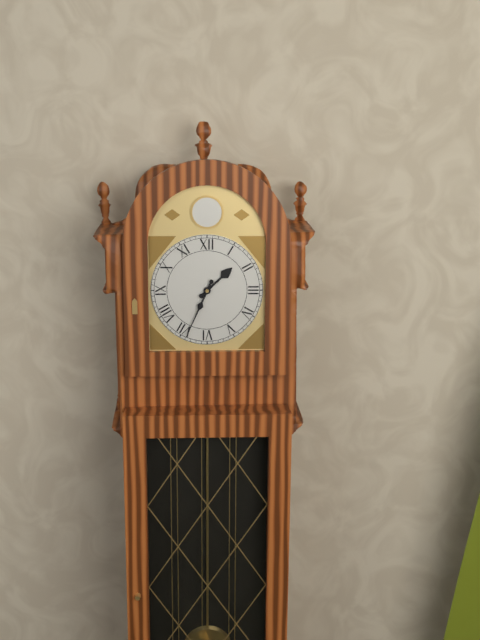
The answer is 1:34
